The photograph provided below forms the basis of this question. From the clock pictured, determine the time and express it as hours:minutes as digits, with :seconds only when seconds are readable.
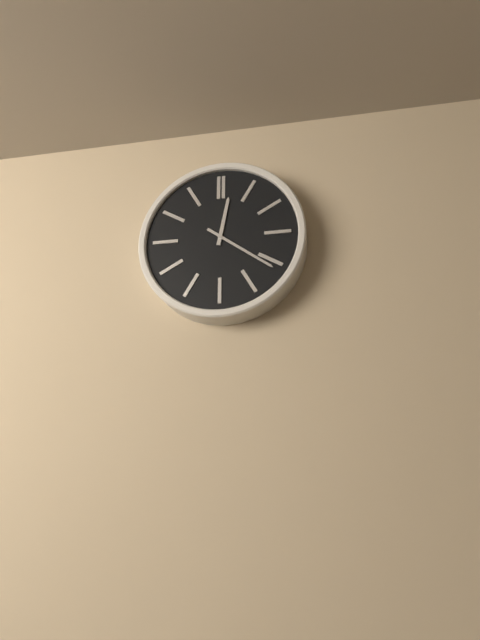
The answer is 12:21
